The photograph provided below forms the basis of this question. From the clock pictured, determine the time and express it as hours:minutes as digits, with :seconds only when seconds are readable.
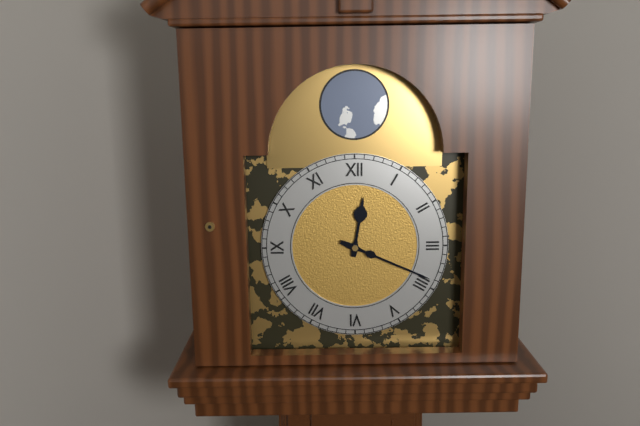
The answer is 12:19
